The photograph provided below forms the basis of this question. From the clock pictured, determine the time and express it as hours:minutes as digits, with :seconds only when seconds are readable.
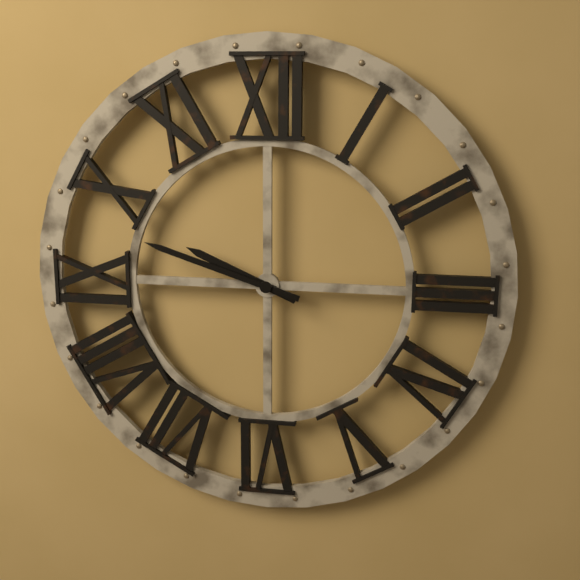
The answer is 9:48
